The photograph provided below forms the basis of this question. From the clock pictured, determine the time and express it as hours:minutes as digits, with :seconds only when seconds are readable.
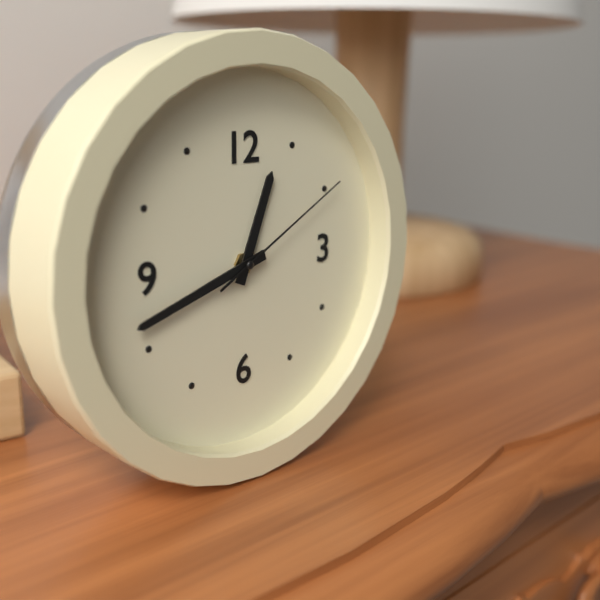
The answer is 12:42:10
